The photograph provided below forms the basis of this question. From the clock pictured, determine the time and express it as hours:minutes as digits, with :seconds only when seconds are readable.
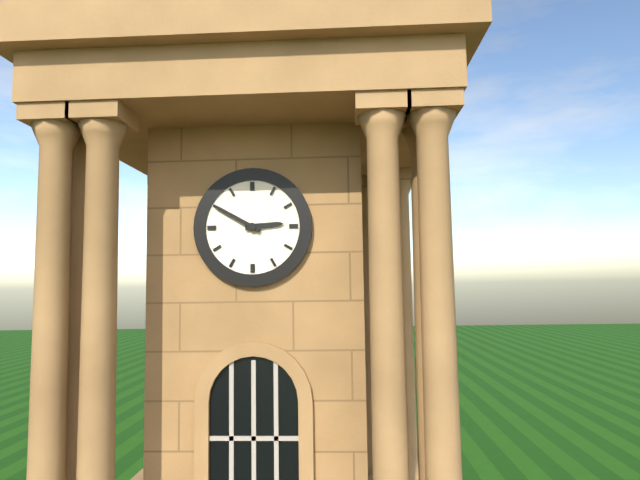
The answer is 2:50
